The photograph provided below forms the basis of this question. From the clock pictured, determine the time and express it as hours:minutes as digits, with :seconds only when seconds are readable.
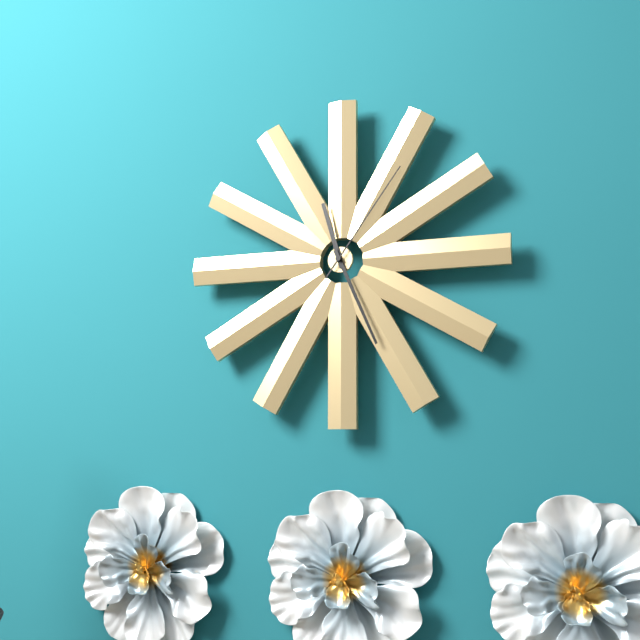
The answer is 11:26:06
